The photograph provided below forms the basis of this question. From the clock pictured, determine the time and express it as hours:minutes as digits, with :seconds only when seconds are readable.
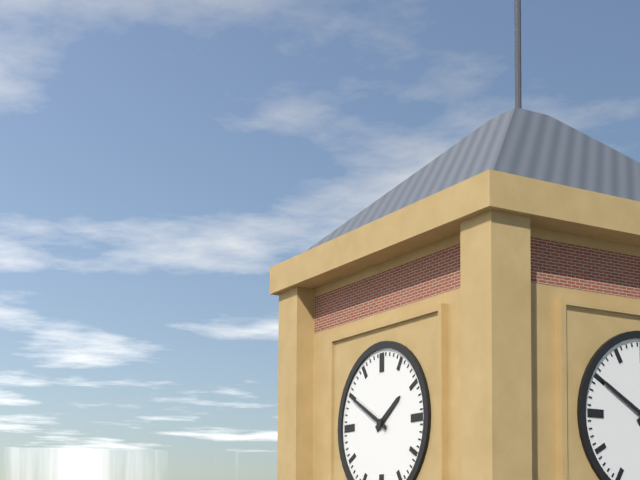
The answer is 1:50
